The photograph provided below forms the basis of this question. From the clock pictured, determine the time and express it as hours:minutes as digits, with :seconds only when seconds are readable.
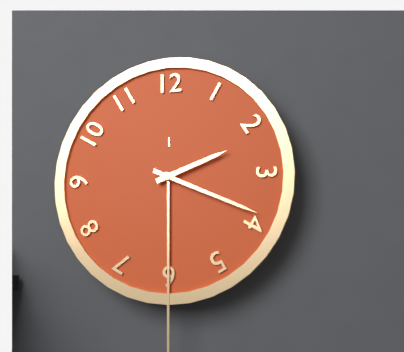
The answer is 2:19
